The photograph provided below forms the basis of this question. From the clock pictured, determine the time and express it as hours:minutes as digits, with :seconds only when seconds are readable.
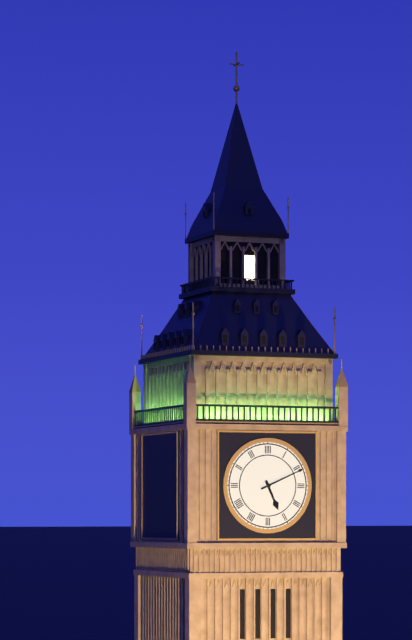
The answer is 5:11
